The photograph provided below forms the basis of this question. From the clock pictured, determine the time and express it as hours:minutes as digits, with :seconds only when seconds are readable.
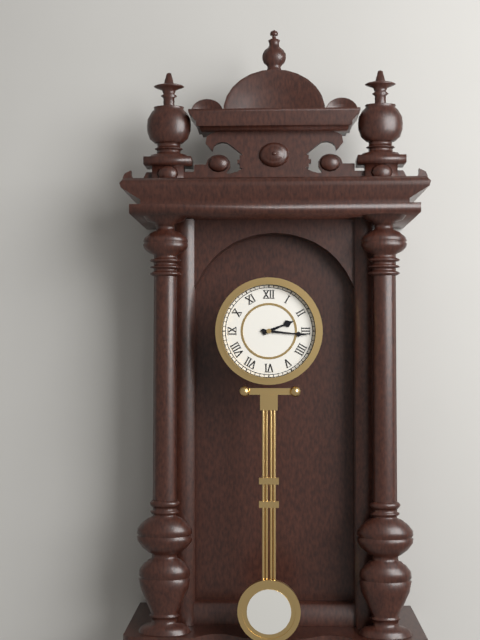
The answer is 2:16
